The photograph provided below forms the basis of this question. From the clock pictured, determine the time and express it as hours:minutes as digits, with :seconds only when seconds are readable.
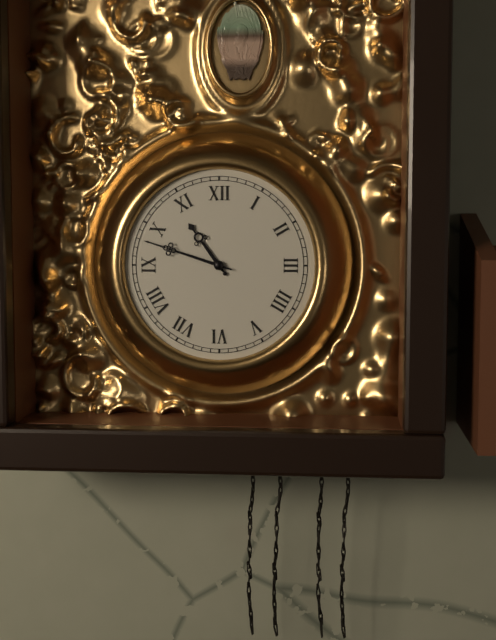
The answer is 10:48
